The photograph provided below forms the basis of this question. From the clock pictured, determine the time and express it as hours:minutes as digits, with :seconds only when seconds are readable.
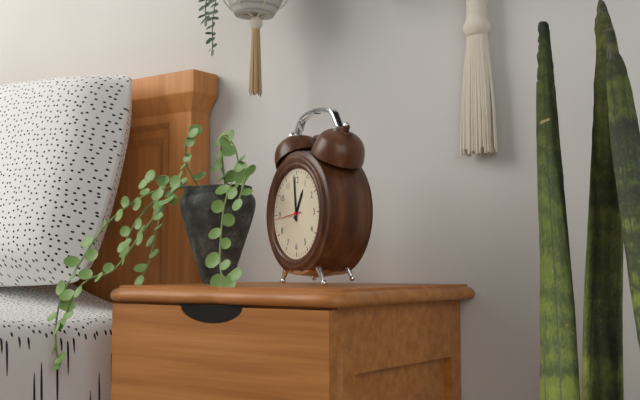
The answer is 12:59
